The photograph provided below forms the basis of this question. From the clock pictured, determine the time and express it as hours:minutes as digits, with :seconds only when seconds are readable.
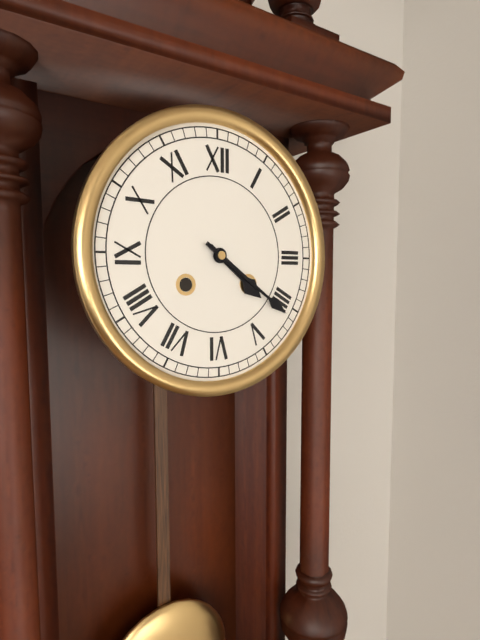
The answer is 4:21
